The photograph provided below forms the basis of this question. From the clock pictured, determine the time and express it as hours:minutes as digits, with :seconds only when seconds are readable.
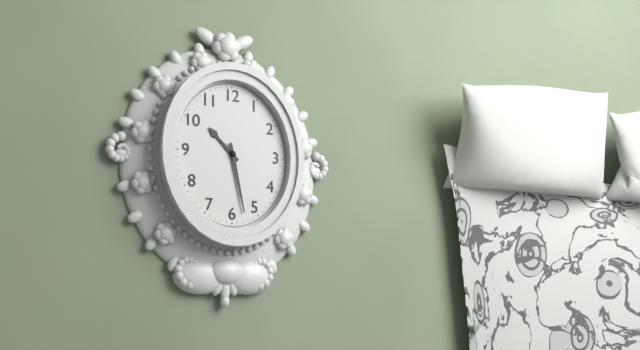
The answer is 10:28
